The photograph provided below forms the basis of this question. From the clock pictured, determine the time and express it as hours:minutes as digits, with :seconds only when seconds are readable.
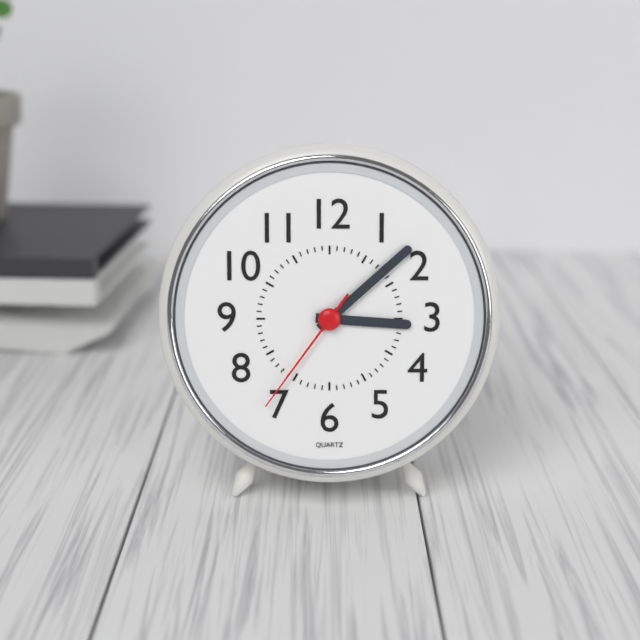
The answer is 3:08:36
